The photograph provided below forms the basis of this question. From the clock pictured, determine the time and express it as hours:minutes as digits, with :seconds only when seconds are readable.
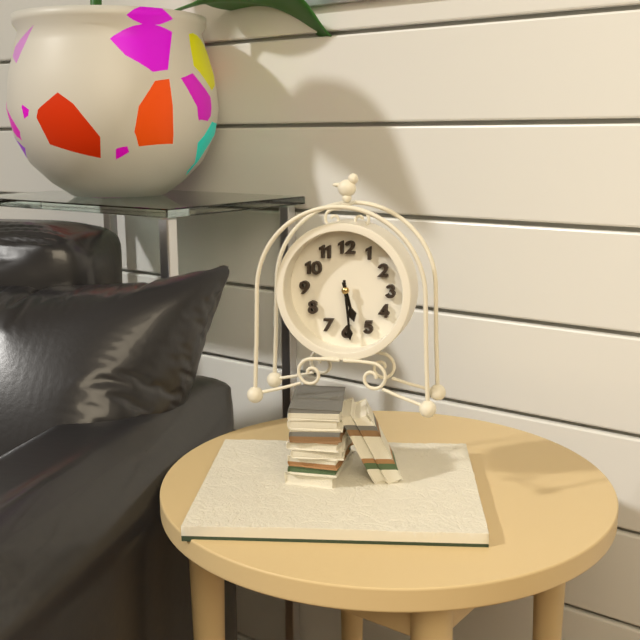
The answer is 5:29
